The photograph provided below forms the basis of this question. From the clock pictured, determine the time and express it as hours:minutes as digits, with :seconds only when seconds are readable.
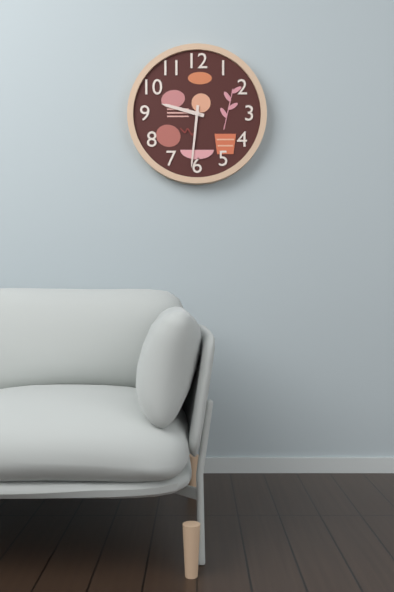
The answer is 9:31
